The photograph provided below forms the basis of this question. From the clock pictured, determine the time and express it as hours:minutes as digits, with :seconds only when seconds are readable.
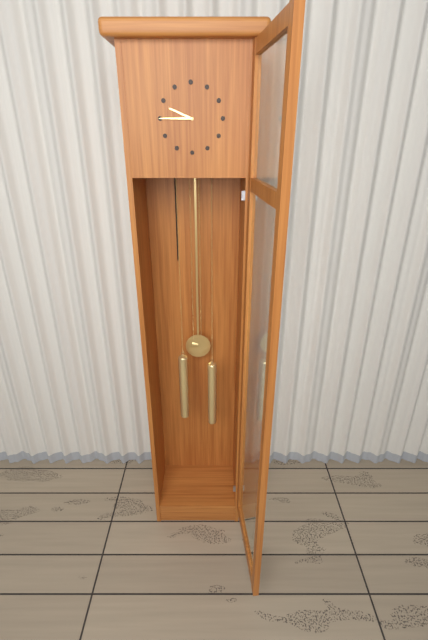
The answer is 9:45
